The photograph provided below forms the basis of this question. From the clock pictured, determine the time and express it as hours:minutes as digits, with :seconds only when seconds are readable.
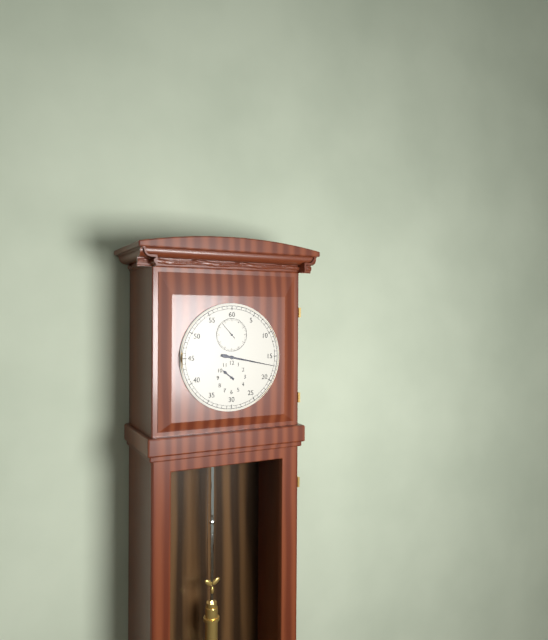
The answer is 10:17
